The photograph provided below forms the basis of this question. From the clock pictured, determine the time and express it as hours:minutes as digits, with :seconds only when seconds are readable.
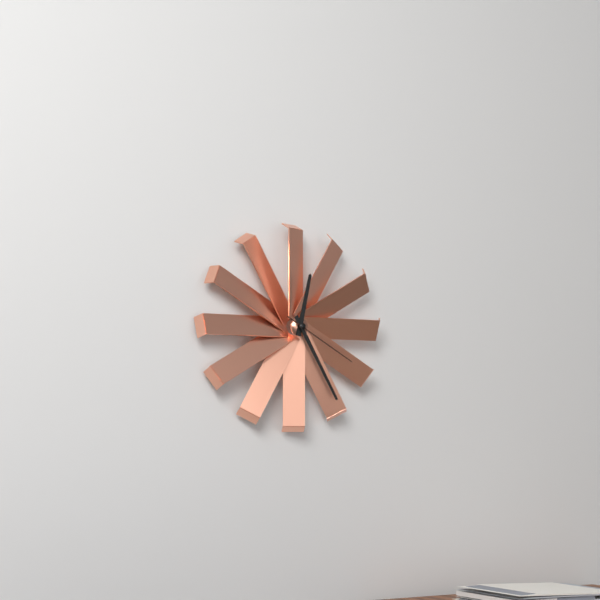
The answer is 12:25:20
